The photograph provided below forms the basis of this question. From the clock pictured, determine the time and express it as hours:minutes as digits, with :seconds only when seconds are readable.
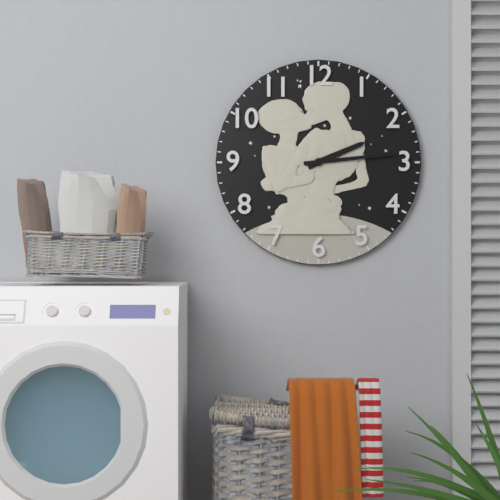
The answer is 2:14
